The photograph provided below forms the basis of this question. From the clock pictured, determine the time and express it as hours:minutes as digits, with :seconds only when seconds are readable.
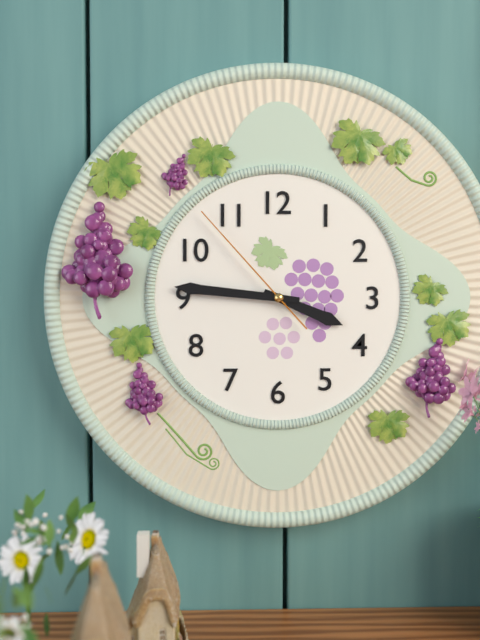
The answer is 3:46:53
